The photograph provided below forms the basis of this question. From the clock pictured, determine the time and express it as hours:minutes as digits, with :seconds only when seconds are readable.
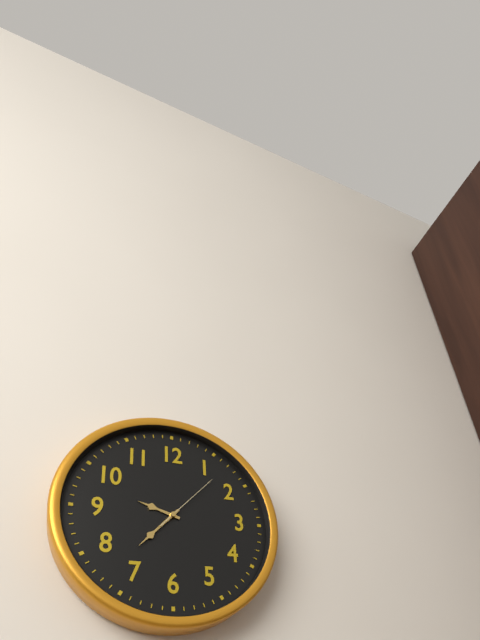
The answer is 9:37:07
